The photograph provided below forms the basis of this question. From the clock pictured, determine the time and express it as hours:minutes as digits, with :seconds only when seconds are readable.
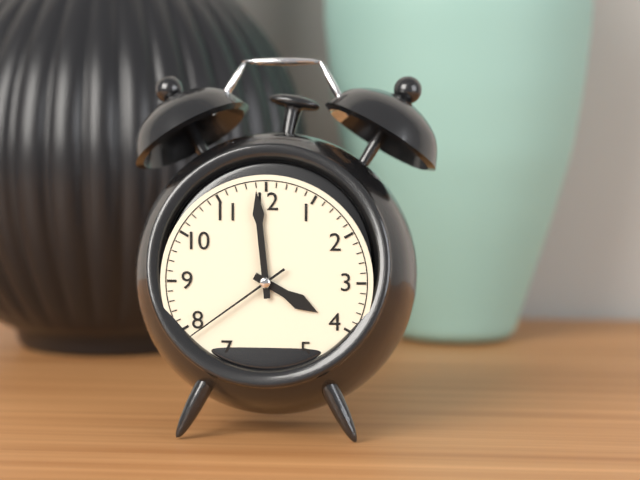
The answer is 3:59:39
